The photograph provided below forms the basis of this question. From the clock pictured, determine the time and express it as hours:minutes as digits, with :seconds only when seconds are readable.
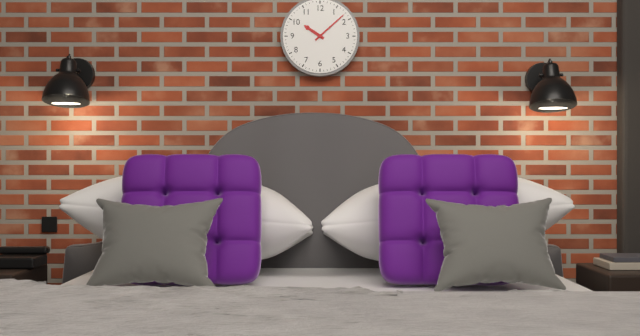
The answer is 10:08
